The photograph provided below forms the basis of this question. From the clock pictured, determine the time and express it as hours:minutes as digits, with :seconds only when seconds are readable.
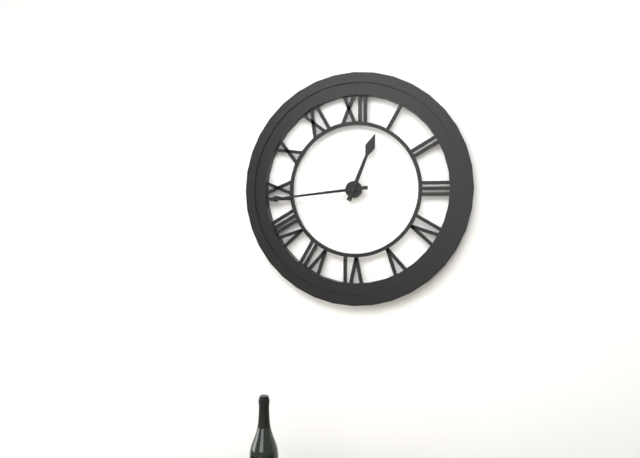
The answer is 12:44
